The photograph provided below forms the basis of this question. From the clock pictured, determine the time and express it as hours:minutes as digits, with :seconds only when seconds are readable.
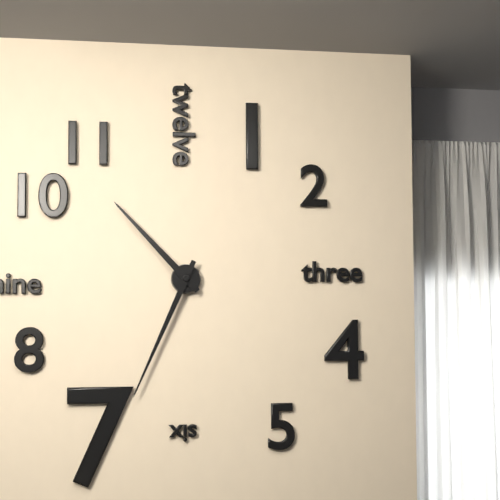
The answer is 10:34
